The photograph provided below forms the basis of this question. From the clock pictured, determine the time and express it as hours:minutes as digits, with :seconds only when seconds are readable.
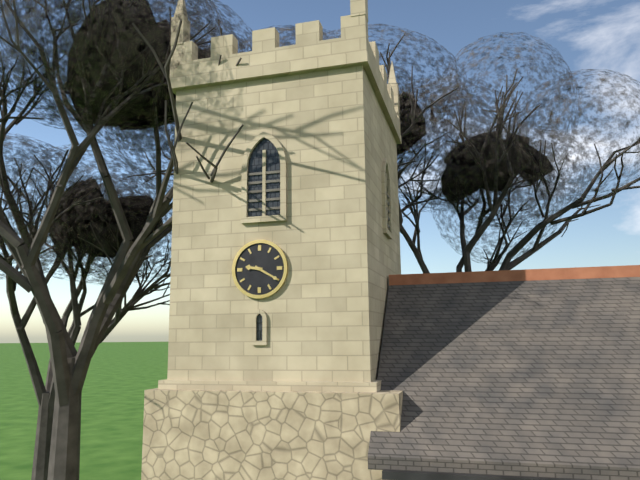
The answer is 9:20
